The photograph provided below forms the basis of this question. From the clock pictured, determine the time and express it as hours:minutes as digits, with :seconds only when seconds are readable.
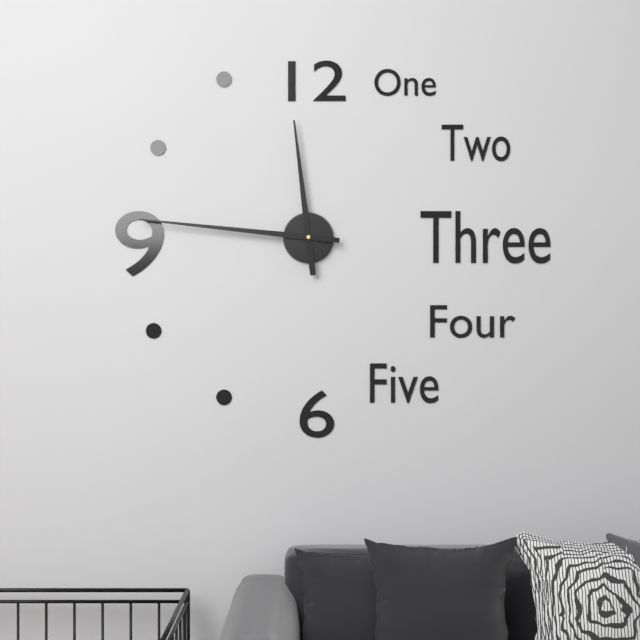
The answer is 11:46
